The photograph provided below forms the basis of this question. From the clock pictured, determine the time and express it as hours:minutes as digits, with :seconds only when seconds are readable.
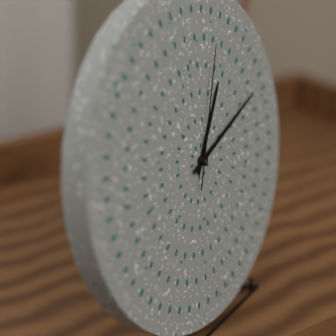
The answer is 1:12:04
